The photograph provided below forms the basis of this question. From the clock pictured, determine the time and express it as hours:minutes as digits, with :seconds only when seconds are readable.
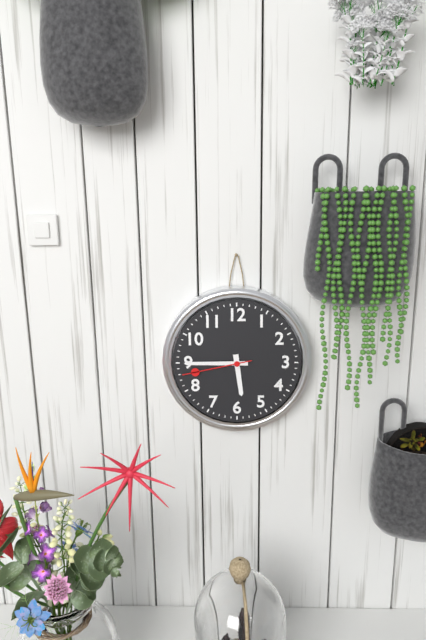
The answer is 5:45:43
